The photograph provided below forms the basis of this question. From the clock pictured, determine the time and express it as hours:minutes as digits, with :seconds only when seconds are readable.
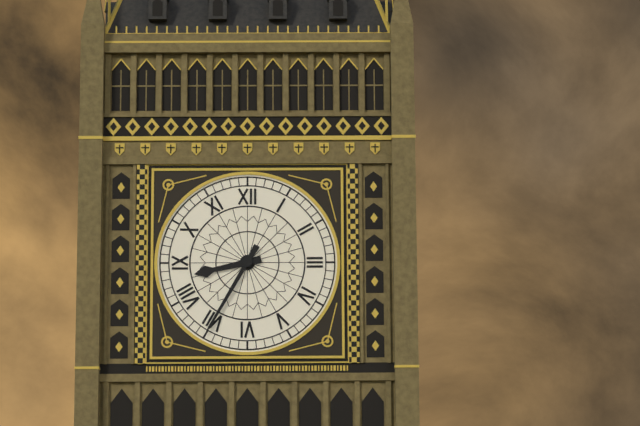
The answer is 8:35
